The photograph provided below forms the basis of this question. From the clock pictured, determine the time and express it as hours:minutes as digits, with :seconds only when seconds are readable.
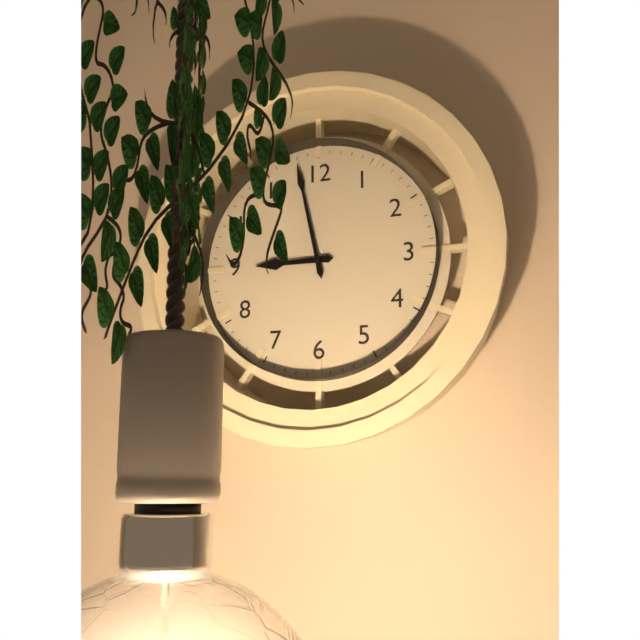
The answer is 8:58
